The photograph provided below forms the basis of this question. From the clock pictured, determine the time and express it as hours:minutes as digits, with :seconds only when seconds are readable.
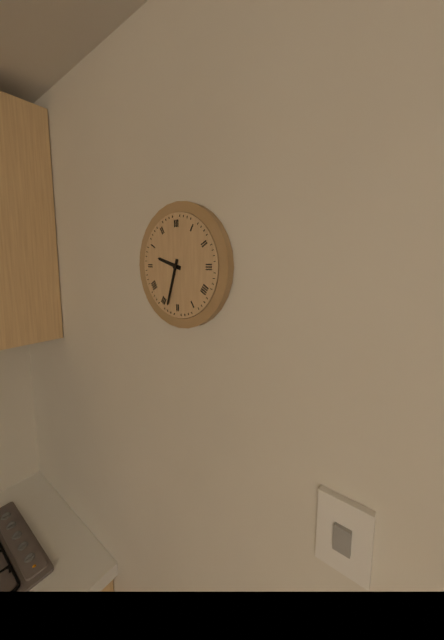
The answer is 9:33
